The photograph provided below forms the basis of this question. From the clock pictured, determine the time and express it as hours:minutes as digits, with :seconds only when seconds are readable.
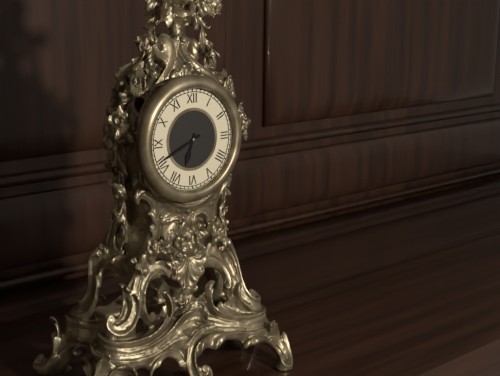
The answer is 6:41
